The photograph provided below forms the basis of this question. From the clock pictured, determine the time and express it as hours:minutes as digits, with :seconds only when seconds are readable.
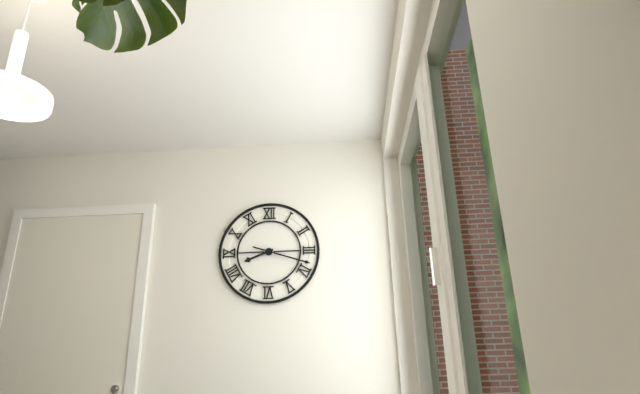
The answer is 8:18
